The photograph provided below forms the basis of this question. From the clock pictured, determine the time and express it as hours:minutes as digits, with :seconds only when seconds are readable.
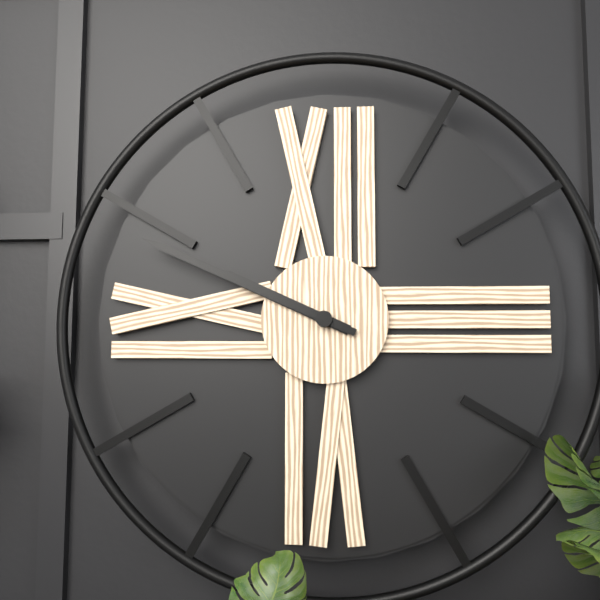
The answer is 9:49
